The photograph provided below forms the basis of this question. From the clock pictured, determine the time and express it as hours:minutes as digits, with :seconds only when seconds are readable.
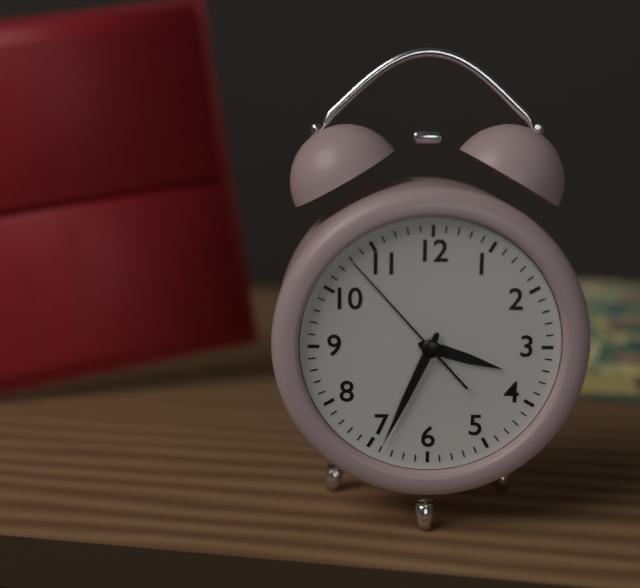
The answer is 3:34:53
